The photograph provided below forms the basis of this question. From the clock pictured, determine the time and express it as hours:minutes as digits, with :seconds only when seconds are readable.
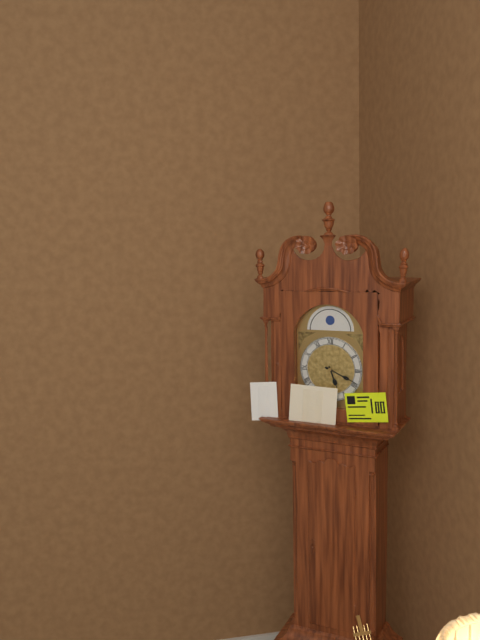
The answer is 5:19
